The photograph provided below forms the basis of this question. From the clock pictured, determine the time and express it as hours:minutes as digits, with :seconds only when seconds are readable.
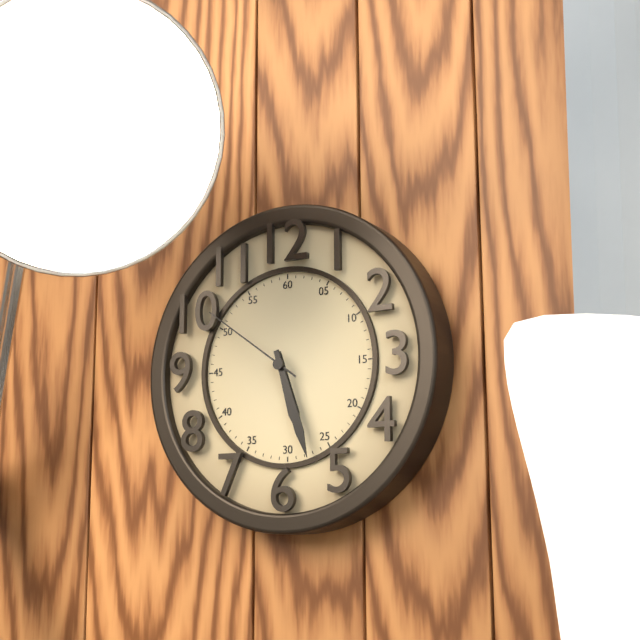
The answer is 5:27:51
